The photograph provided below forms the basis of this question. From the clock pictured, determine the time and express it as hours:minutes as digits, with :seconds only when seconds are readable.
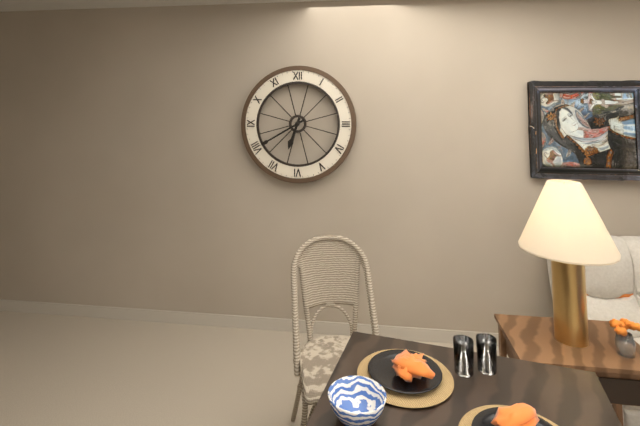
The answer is 6:40
